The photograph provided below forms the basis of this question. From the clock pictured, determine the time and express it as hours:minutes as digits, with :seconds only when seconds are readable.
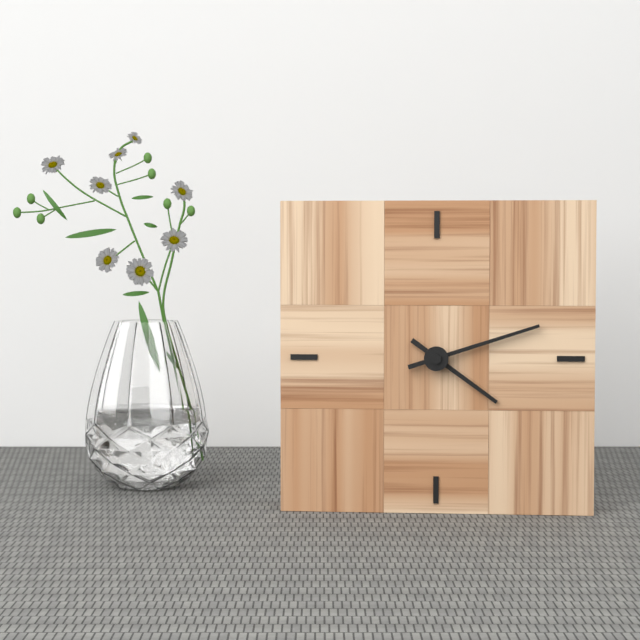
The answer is 4:12
